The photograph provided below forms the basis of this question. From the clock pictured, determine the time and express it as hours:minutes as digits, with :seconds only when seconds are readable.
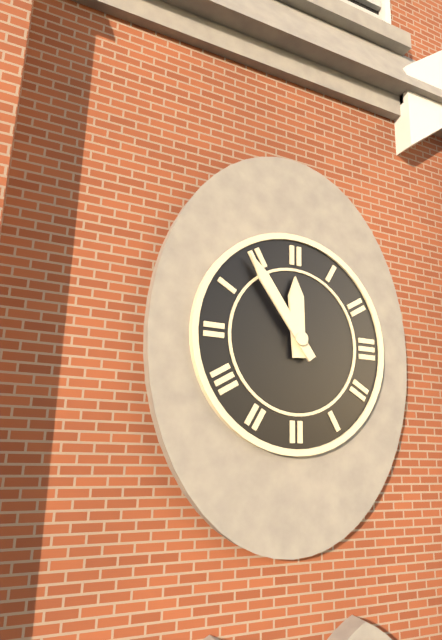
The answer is 11:54
